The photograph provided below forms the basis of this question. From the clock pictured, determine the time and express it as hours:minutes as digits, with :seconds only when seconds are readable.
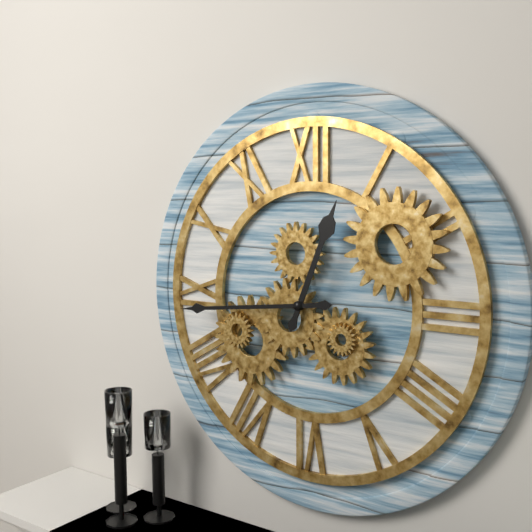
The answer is 12:44
